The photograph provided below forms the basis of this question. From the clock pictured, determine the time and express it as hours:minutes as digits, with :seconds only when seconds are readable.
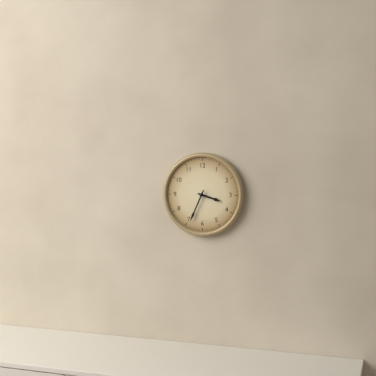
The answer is 3:34
